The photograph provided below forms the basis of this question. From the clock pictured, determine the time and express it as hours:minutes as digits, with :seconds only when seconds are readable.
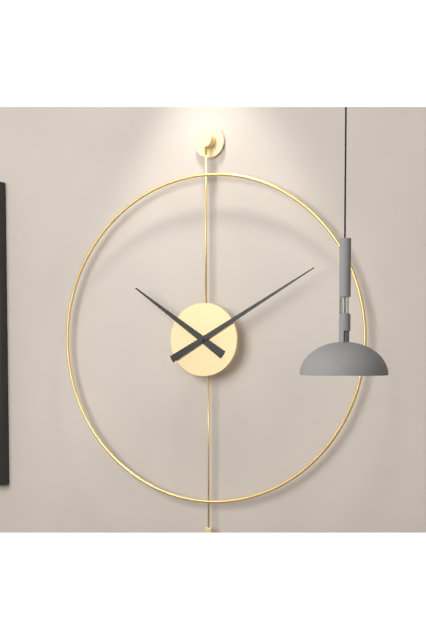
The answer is 10:10
